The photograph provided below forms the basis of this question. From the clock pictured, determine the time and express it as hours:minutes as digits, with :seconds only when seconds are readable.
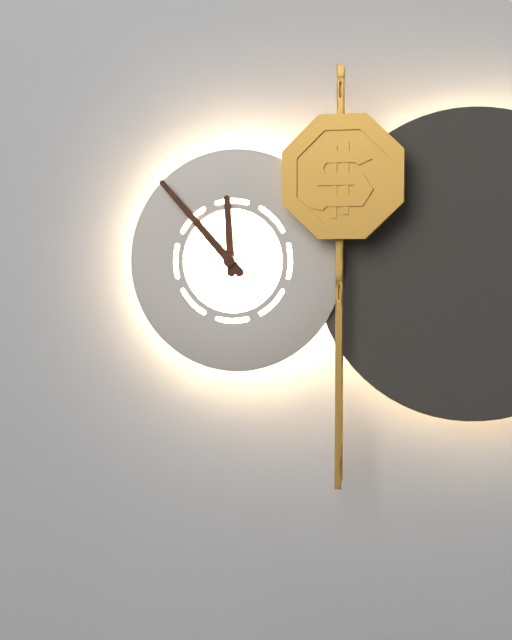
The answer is 11:53
